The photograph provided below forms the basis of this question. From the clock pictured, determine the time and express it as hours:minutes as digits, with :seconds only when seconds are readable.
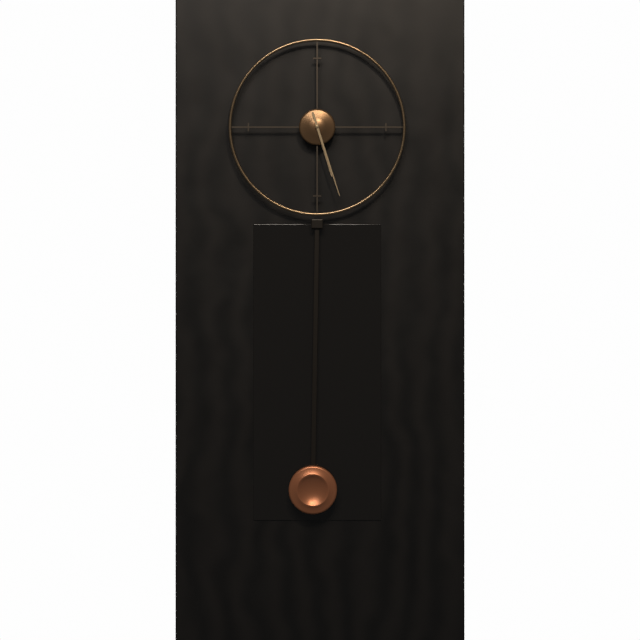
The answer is 5:27
